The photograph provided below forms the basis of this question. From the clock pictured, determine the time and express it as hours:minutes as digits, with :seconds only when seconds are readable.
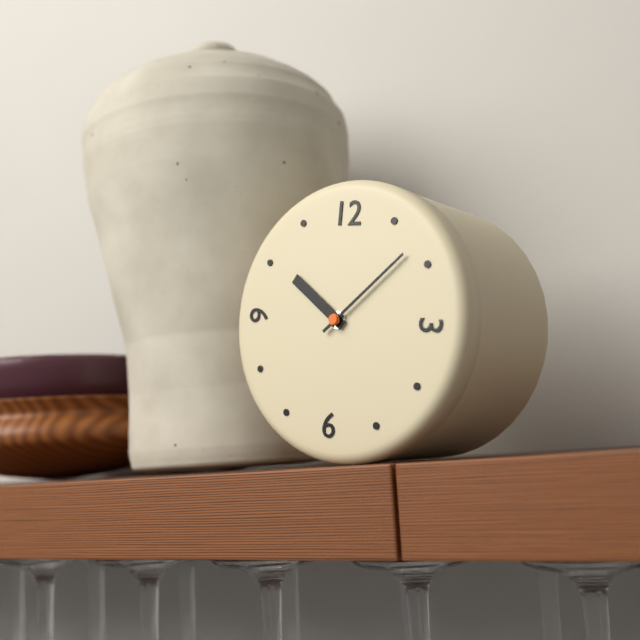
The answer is 10:08
